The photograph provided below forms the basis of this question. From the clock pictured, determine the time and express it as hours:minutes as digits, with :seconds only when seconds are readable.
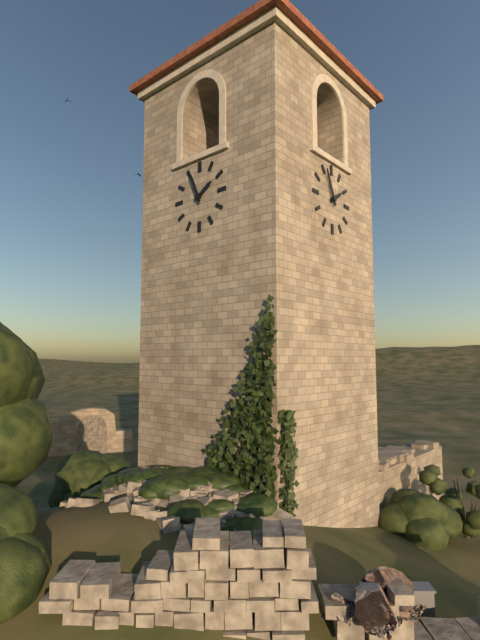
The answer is 1:56
